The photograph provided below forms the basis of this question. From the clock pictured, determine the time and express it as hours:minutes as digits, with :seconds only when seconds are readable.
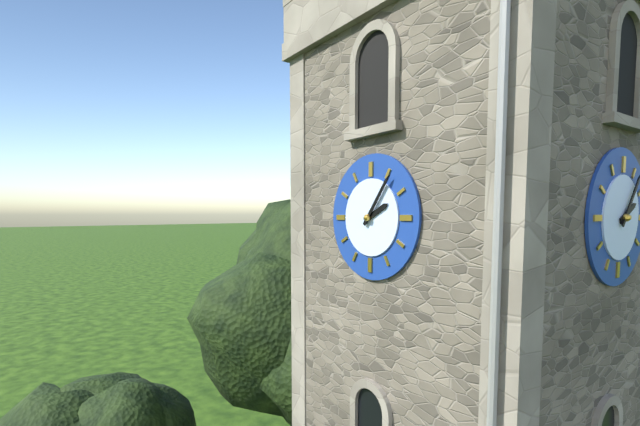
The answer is 2:06
